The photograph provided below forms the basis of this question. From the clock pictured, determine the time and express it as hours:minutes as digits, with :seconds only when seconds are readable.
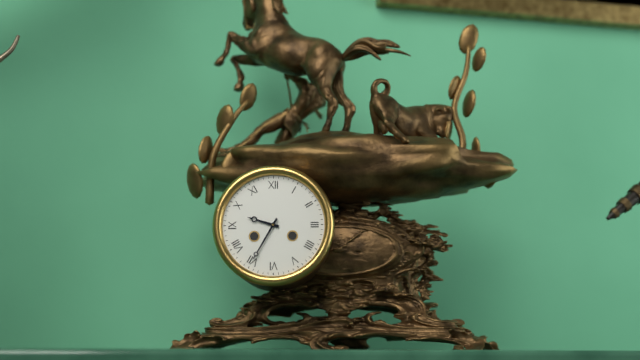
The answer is 9:35
